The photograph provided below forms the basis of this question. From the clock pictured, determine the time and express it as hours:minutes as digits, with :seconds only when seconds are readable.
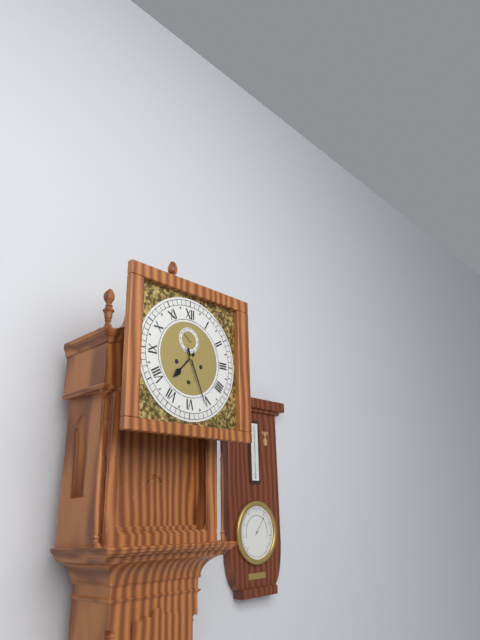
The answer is 7:26
